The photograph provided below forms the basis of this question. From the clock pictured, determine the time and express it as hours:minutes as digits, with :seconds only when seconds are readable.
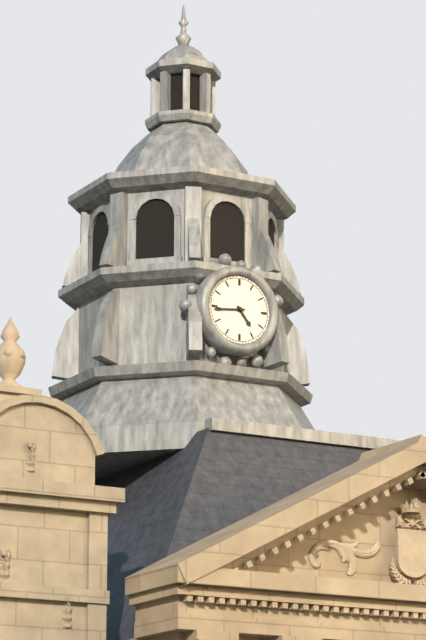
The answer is 4:44
